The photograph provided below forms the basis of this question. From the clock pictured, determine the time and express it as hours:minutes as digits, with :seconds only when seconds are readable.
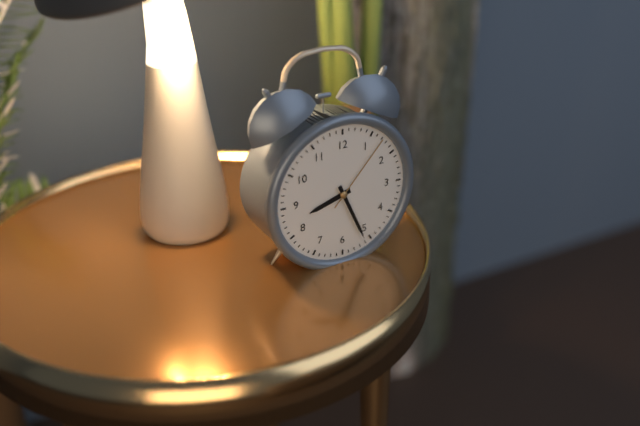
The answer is 8:26:07
